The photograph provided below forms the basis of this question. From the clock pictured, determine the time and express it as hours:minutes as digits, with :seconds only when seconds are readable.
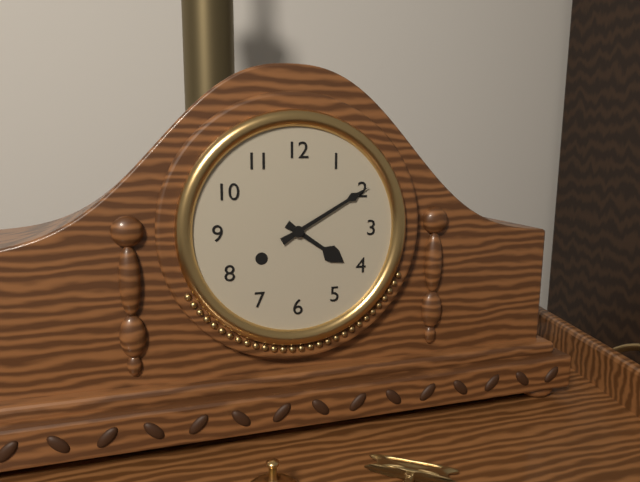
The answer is 4:10
